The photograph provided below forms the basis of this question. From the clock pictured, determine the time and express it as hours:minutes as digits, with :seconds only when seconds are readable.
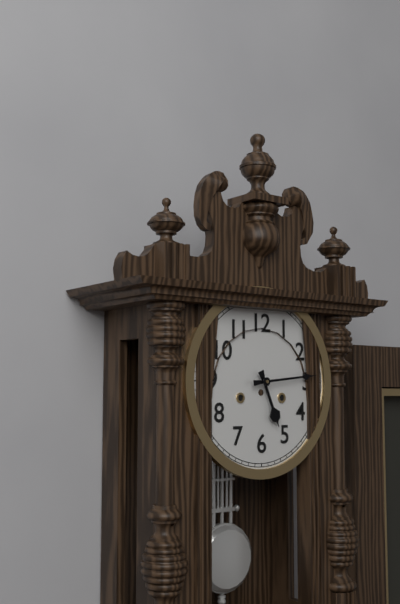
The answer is 5:14
